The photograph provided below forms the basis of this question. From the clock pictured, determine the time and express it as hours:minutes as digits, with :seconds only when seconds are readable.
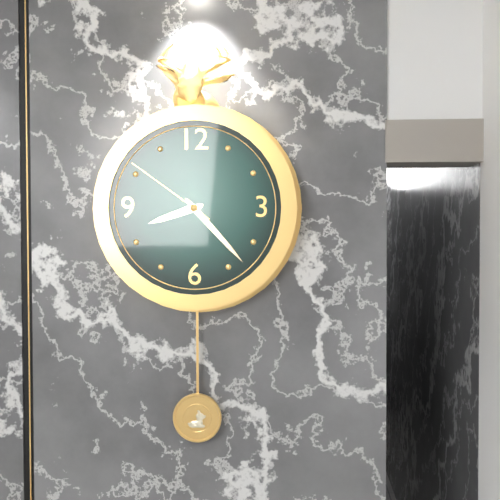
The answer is 8:23:51
